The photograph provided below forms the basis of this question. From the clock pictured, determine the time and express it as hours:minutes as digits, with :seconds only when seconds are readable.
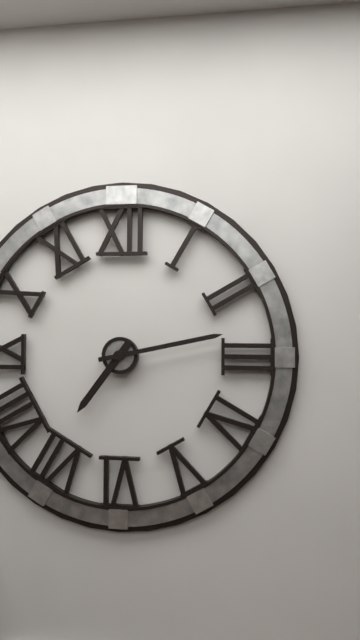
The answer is 7:13
